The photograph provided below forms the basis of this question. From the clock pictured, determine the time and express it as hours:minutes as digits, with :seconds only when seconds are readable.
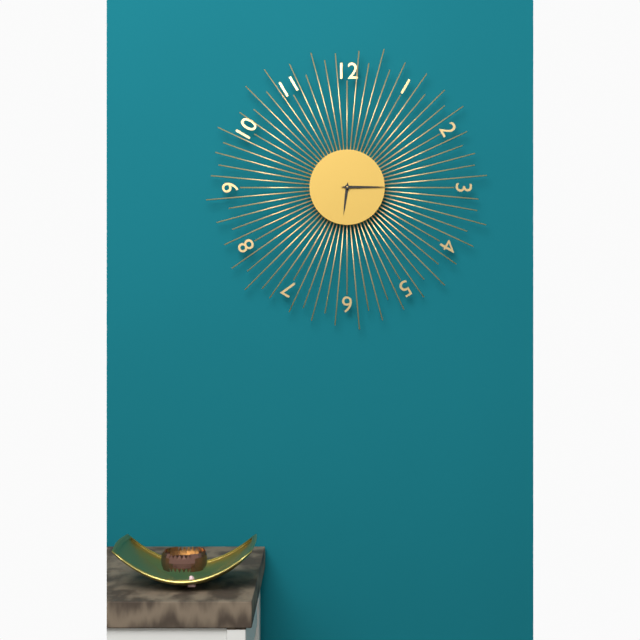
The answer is 6:15
